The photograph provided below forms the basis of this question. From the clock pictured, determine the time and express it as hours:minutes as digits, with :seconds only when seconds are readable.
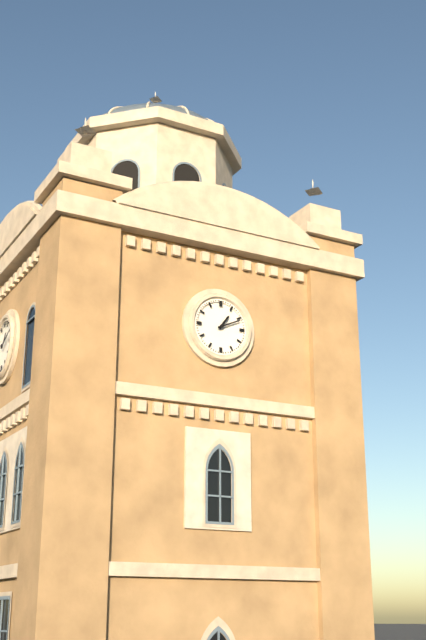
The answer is 1:11
